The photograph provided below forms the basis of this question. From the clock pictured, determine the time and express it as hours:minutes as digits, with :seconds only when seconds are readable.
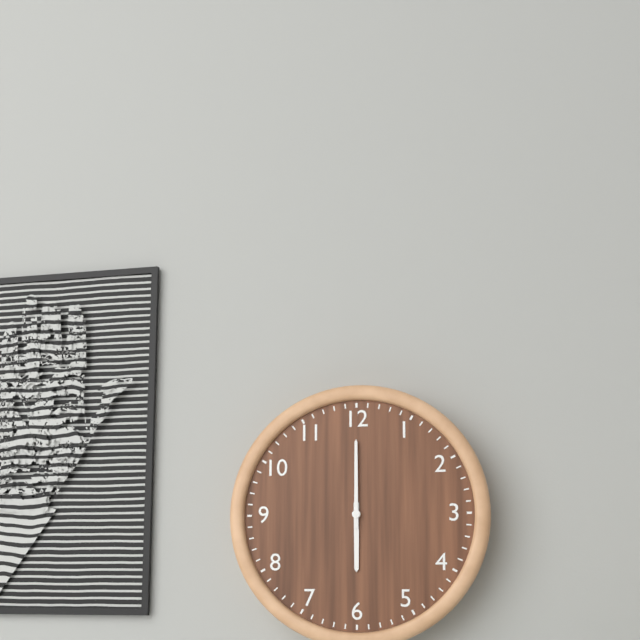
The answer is 6:00
